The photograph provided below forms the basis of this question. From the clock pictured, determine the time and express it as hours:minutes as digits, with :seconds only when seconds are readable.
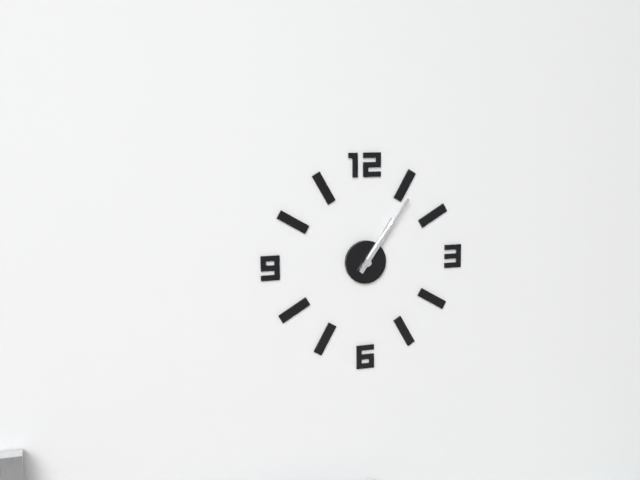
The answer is 1:06
